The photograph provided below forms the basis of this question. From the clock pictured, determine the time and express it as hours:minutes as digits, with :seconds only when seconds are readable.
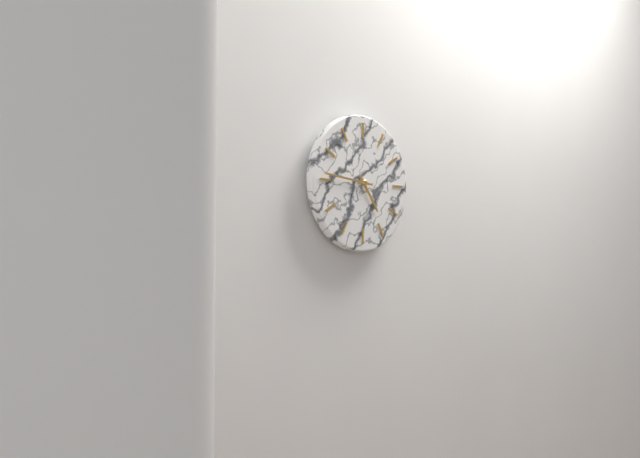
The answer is 4:46
